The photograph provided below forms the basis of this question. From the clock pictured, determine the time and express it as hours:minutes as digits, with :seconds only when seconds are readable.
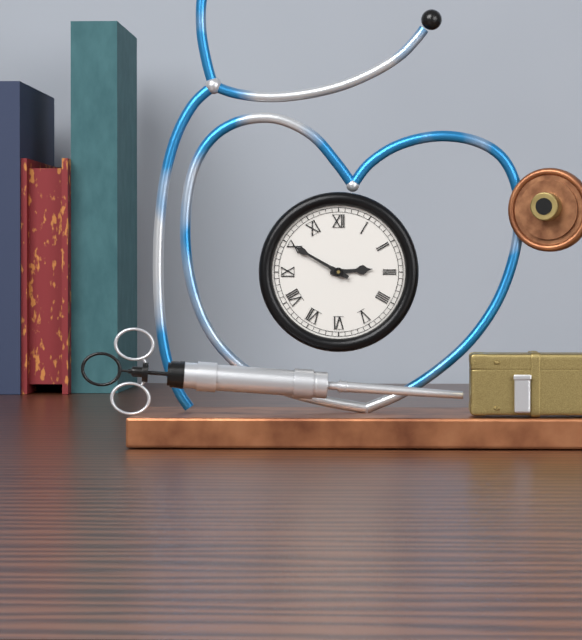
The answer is 2:50
